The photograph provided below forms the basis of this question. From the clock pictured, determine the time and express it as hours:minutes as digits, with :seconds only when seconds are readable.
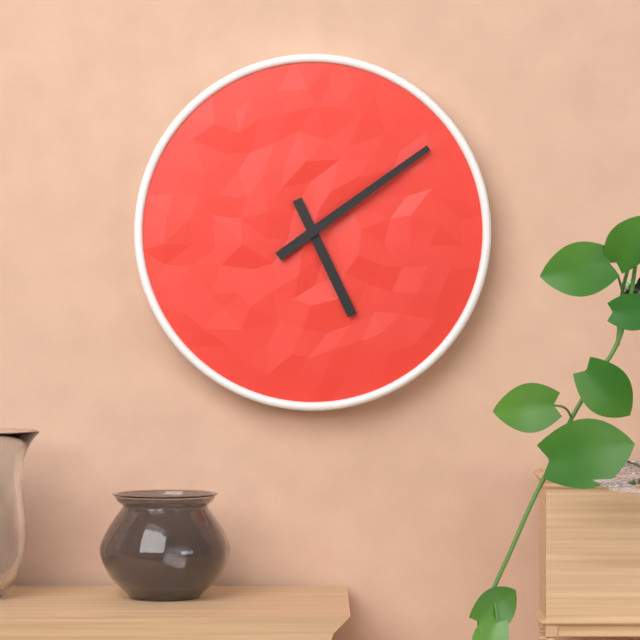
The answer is 5:09
